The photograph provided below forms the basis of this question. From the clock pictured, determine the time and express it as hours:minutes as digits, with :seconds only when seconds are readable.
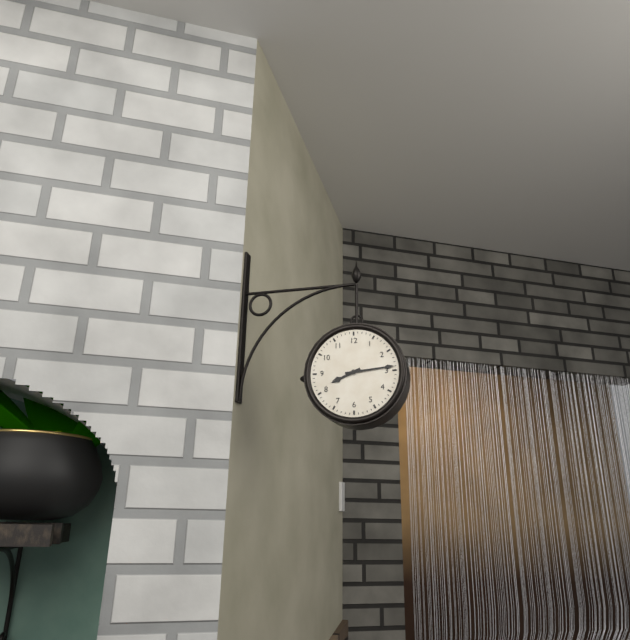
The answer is 8:14
